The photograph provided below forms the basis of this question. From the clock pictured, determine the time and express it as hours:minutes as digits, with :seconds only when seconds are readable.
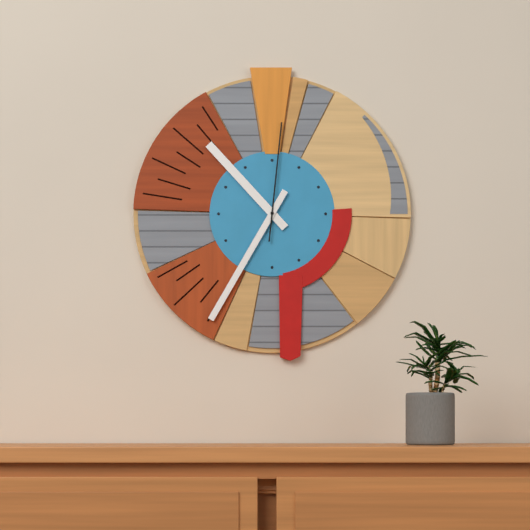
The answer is 10:35:01
